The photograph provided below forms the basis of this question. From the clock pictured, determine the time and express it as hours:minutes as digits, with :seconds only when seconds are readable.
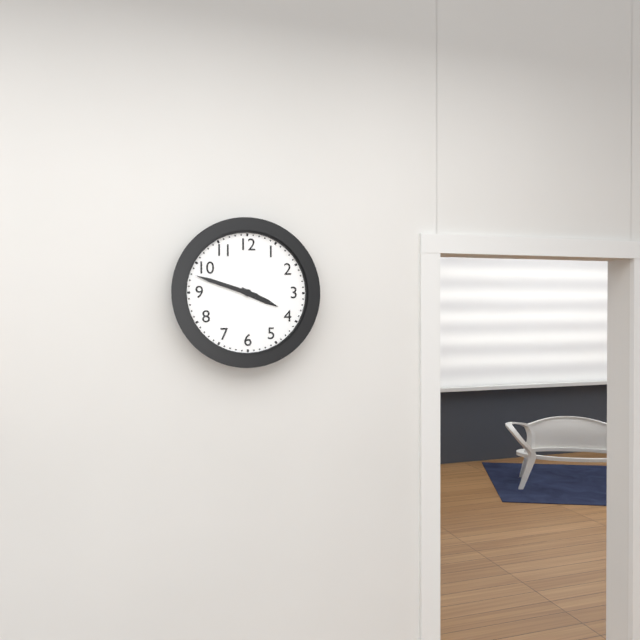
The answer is 3:48
